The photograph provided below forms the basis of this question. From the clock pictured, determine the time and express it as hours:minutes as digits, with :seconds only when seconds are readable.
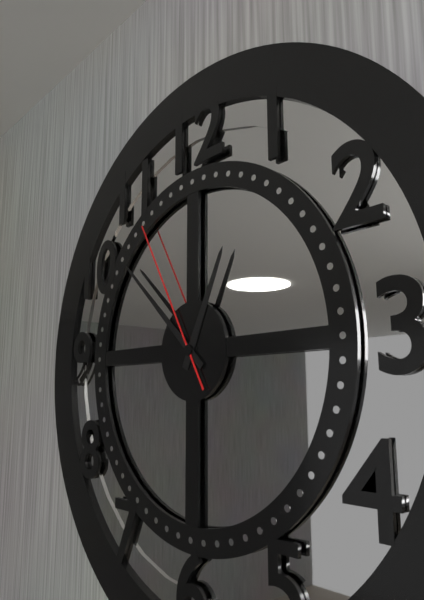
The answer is 12:52:55
